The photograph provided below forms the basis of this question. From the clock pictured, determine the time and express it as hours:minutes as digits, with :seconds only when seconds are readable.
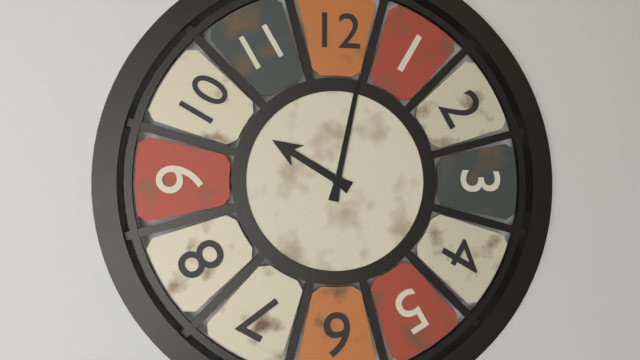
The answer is 10:02
